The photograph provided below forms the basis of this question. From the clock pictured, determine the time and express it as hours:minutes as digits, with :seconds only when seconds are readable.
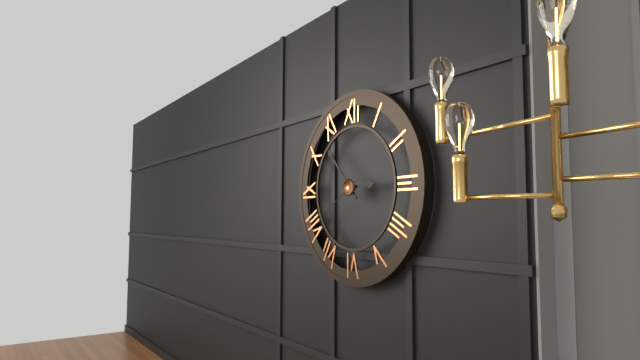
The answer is 2:53
